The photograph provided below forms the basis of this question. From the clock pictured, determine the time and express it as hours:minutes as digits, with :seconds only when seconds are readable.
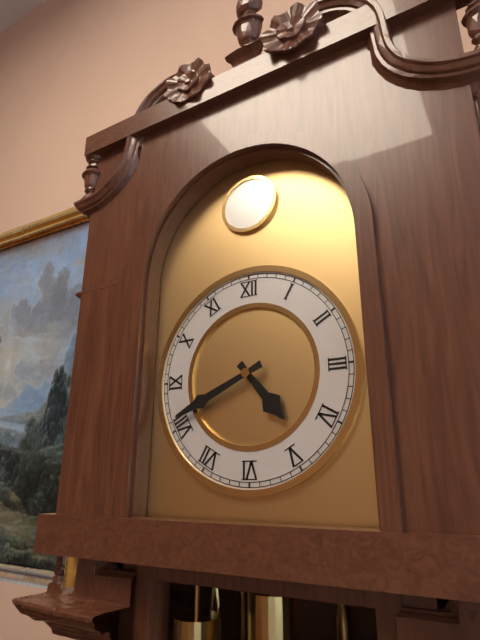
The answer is 4:41
